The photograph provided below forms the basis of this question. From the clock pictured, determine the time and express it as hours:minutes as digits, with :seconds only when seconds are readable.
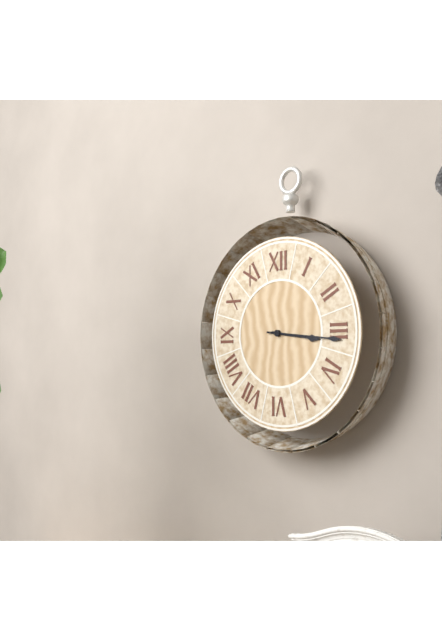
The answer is 3:16
